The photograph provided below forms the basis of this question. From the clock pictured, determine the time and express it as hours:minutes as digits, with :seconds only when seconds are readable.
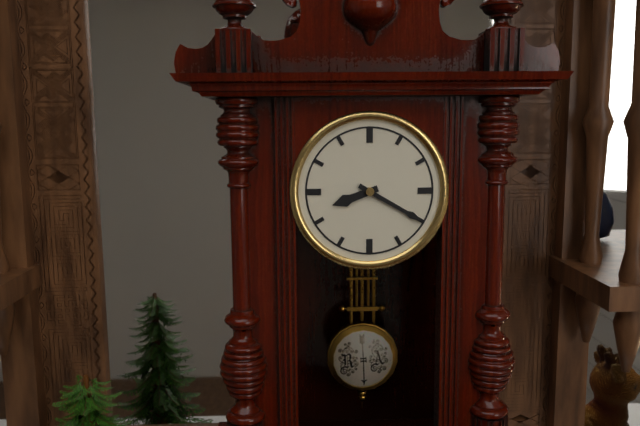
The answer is 8:20
